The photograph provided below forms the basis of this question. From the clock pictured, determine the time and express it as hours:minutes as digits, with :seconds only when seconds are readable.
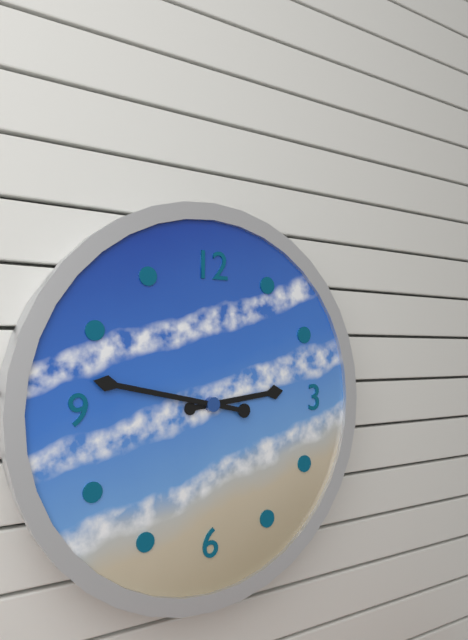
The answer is 2:47
